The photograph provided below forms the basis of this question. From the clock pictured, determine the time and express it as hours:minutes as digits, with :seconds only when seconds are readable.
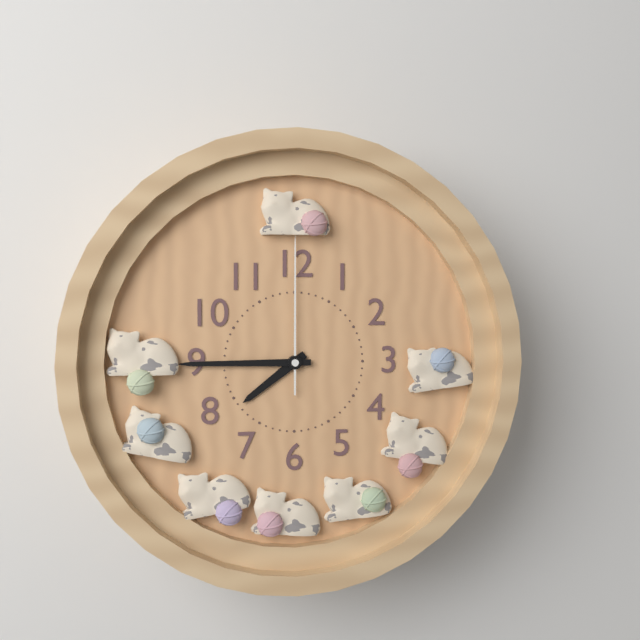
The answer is 7:45:00
